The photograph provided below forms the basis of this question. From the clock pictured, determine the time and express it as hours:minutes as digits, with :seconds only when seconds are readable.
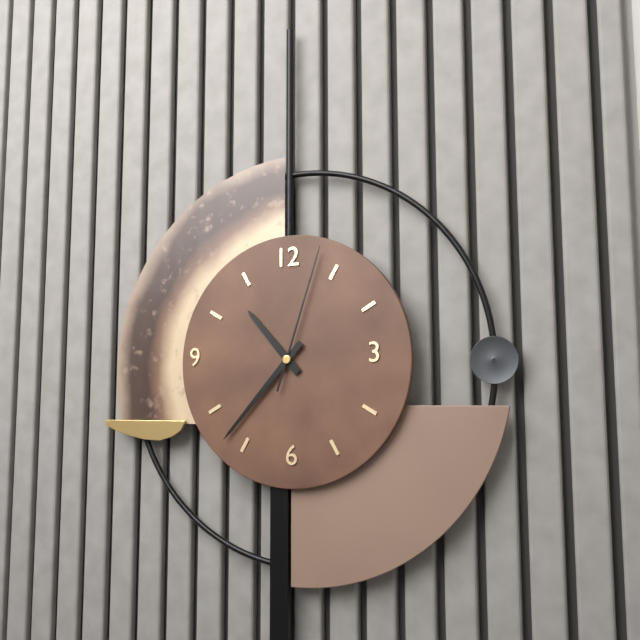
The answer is 10:37:03
